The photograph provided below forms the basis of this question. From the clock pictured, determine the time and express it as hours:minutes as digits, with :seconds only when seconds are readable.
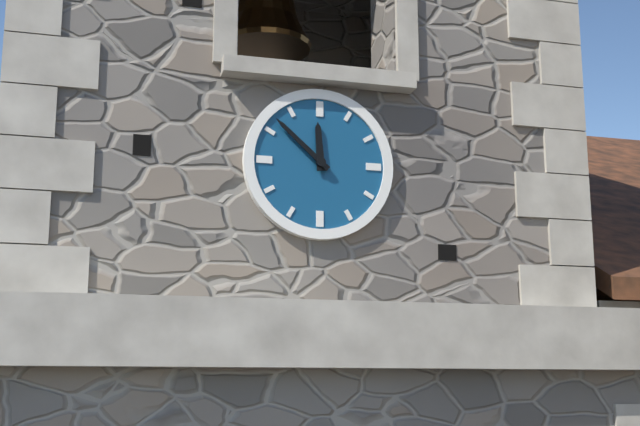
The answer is 11:52
